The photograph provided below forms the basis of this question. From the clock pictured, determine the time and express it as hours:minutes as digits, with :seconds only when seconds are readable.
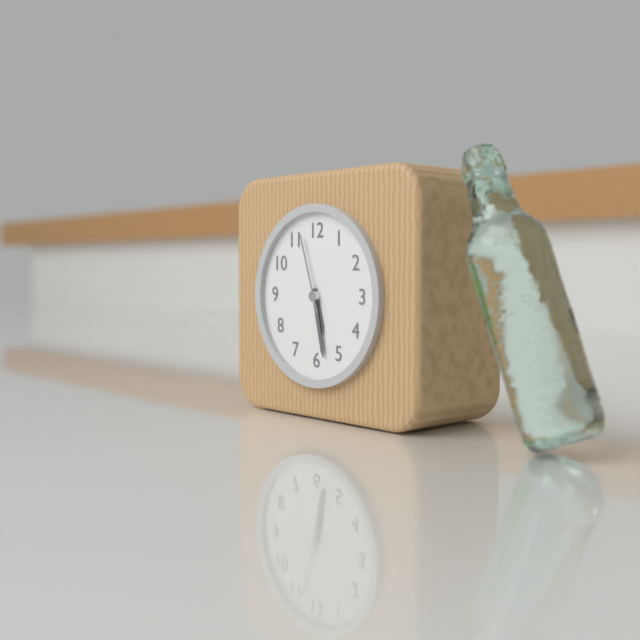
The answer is 5:28:57
